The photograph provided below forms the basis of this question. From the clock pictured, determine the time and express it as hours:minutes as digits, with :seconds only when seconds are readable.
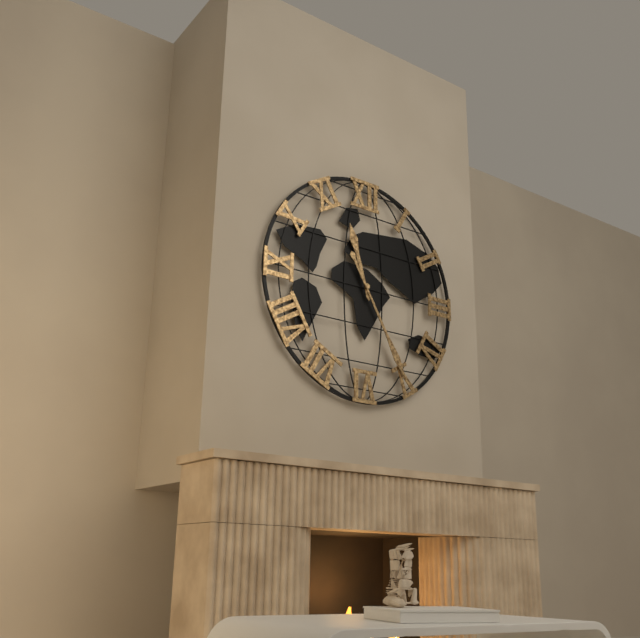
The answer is 11:25
